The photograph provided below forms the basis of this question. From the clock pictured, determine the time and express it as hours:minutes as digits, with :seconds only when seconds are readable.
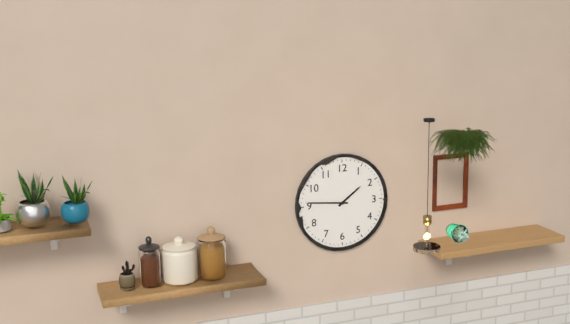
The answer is 1:46
